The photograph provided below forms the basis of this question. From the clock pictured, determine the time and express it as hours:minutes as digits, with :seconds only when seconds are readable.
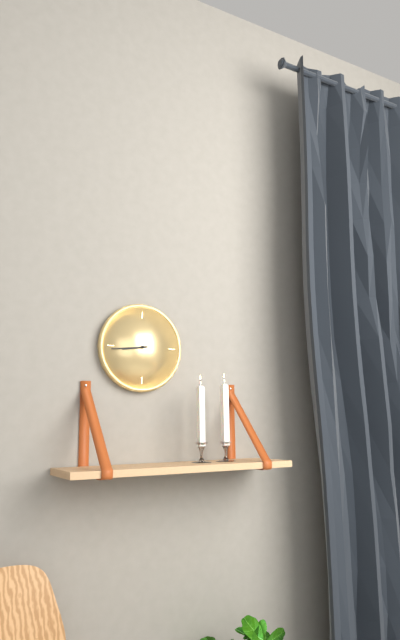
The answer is 8:44
